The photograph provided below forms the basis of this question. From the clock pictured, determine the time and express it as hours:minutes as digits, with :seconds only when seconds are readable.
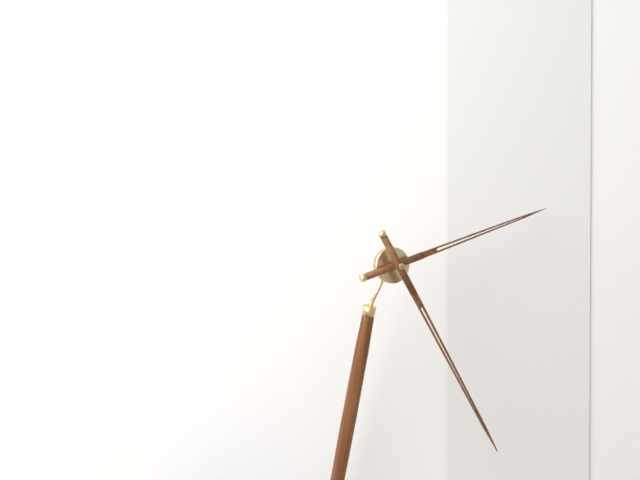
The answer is 2:25
